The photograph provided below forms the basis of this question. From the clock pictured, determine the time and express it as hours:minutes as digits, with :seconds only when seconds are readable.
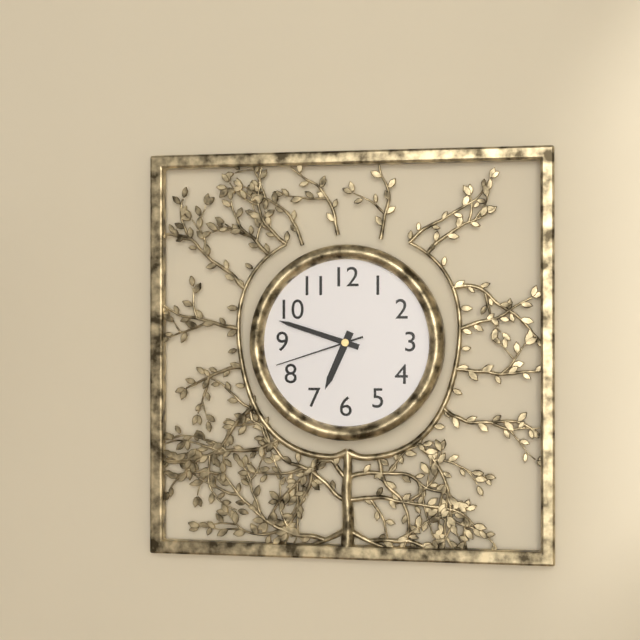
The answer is 6:48:42
